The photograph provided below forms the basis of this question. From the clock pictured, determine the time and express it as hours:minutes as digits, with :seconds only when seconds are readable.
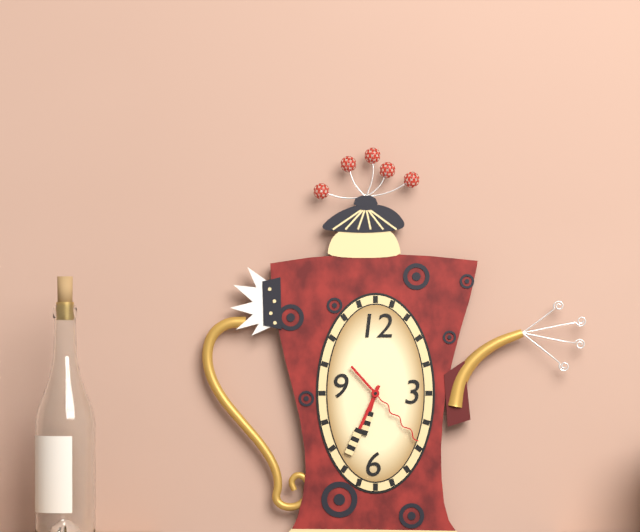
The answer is 6:34:23
